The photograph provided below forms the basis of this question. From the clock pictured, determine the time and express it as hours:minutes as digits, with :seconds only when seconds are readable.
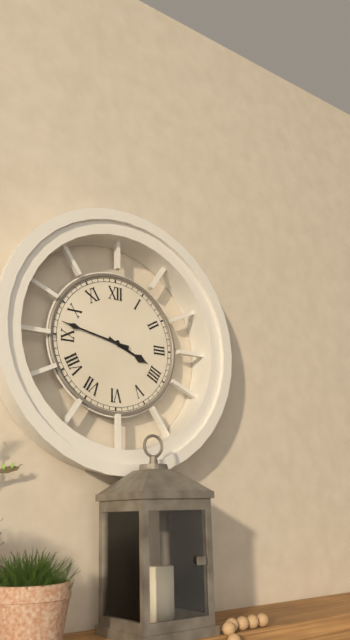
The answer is 3:47
